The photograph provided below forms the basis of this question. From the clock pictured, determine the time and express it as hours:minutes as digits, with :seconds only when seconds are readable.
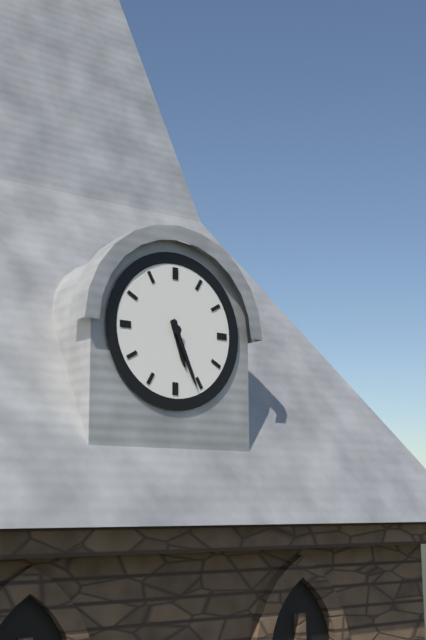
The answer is 5:26
